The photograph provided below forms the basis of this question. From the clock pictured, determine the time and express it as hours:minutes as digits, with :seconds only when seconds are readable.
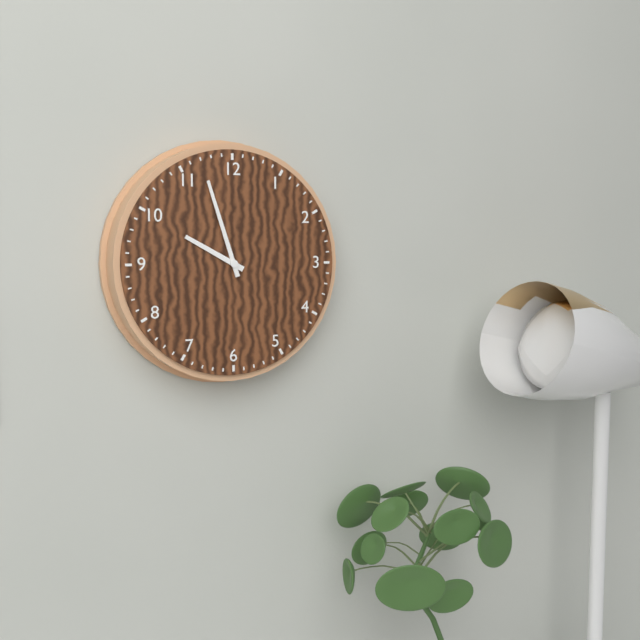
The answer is 9:57
